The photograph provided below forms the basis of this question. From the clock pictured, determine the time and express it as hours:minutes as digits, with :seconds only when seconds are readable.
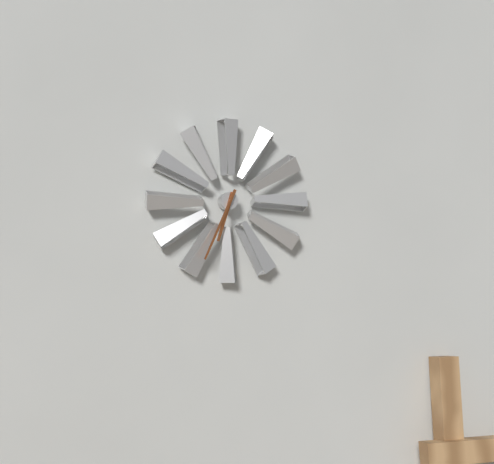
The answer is 6:34
